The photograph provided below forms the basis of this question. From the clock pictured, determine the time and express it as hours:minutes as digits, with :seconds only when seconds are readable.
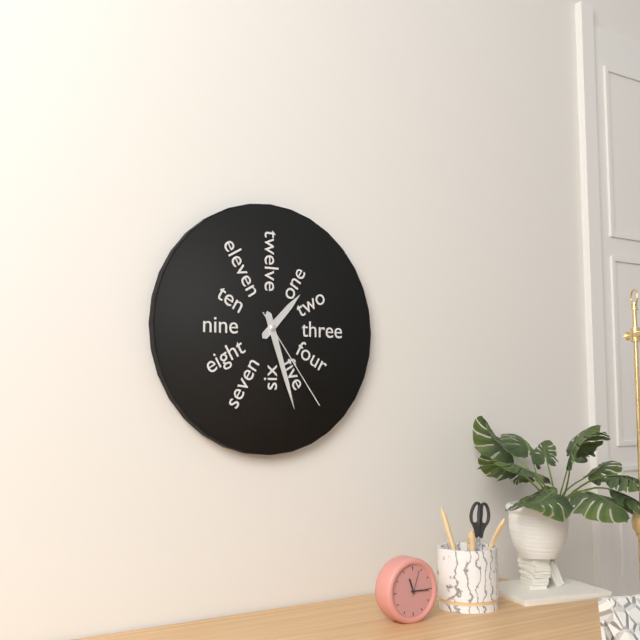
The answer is 1:27:24
